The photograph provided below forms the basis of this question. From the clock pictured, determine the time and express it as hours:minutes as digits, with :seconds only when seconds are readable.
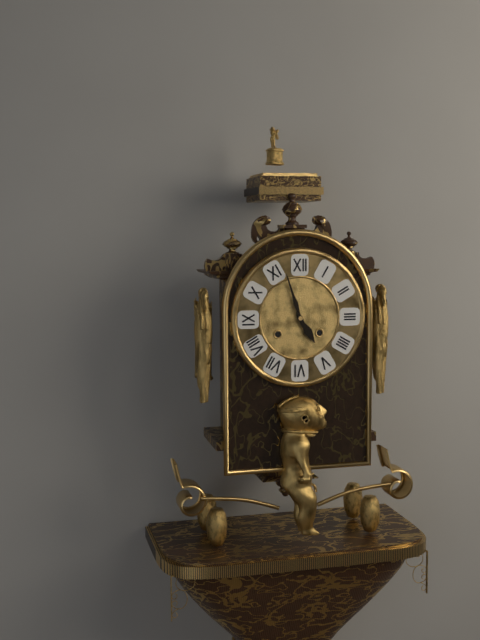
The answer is 4:57
